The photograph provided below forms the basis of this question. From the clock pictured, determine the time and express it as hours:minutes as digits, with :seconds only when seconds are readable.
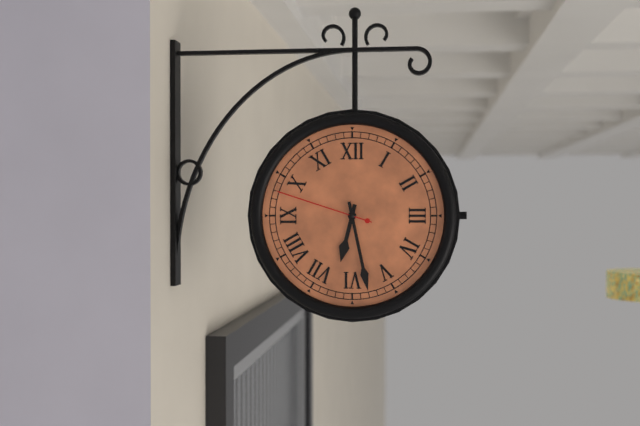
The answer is 6:28:48
